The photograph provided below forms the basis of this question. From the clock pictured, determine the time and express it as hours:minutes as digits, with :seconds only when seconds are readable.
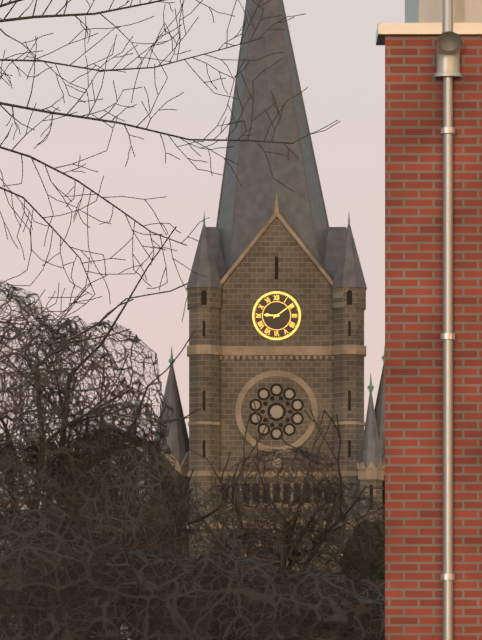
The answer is 9:09
